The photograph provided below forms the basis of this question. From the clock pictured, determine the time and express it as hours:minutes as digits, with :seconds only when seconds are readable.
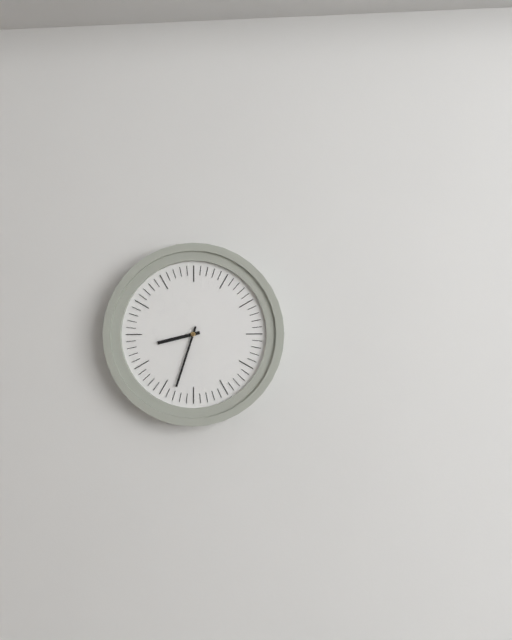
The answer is 8:33
